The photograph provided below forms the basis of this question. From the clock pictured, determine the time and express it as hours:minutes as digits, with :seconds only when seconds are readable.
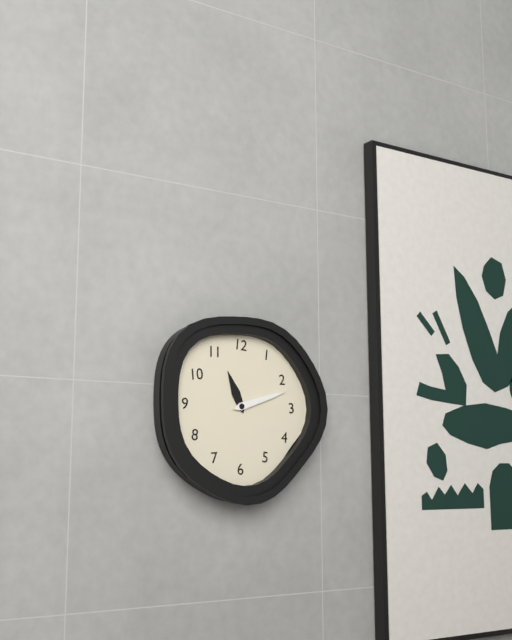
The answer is 11:12
